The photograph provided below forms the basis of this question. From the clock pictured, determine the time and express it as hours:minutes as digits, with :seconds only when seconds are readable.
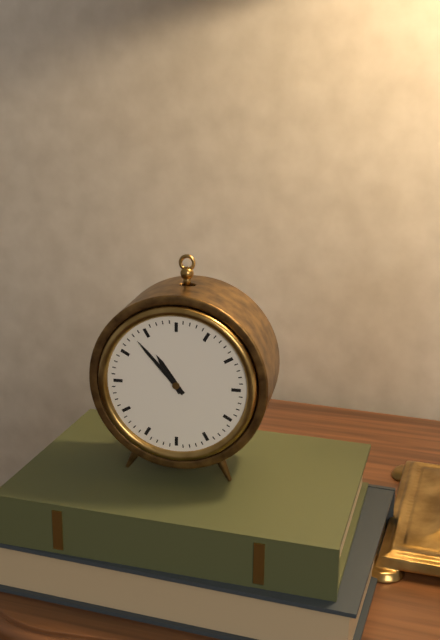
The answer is 10:53
